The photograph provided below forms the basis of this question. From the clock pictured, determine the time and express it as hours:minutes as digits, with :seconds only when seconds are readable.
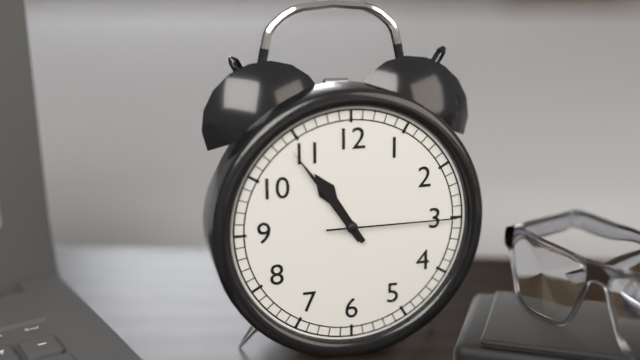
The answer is 10:54:15
